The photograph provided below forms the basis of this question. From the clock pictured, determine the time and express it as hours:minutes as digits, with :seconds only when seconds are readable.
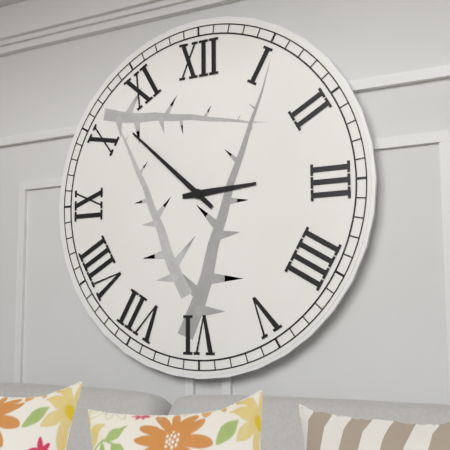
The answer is 2:52
